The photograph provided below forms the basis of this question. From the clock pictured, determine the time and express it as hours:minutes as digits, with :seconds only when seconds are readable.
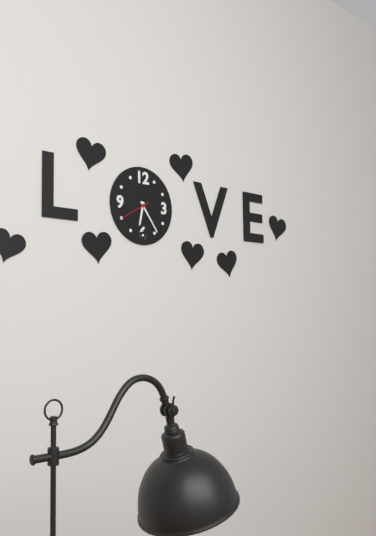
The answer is 6:24
